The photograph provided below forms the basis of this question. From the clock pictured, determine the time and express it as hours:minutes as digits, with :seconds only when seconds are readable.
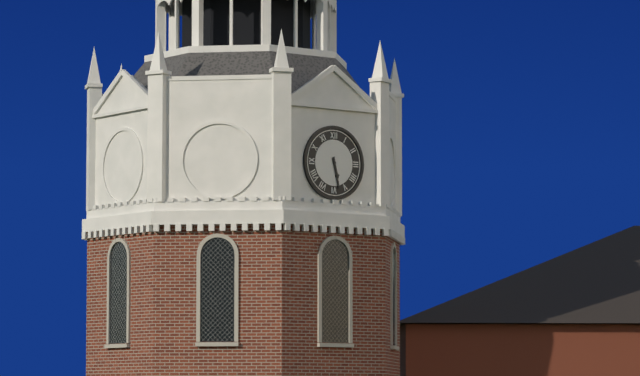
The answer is 5:28
